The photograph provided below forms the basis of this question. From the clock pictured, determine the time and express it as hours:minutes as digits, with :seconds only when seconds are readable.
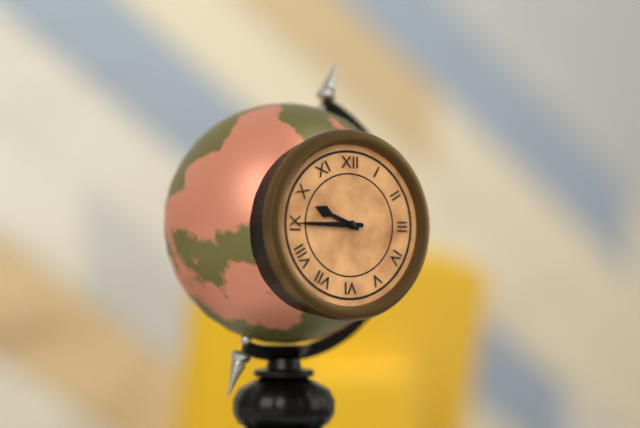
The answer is 9:45
